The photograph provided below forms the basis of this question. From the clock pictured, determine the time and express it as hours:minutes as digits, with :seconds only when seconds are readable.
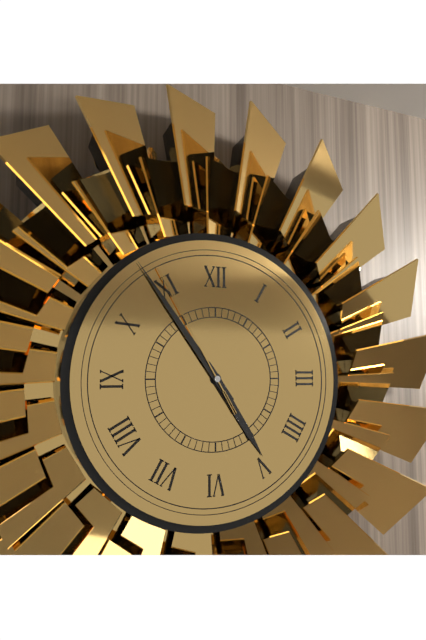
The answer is 4:54:55
